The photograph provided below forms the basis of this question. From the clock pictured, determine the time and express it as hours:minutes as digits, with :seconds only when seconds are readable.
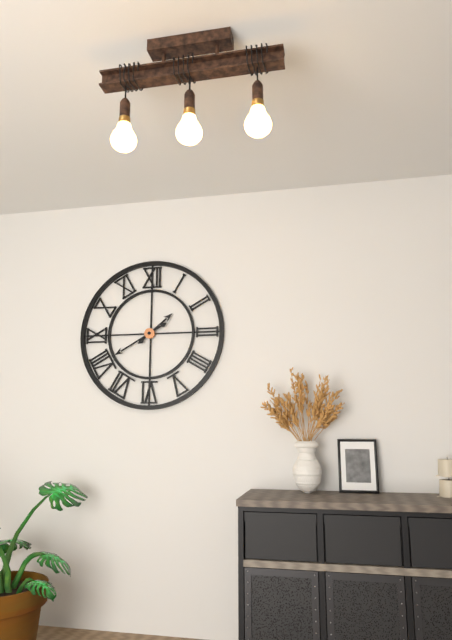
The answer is 1:40
